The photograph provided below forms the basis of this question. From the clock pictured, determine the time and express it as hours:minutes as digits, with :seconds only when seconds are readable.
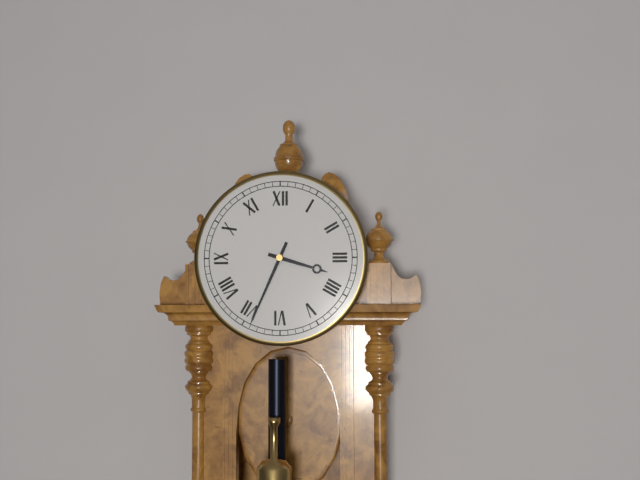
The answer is 3:34
